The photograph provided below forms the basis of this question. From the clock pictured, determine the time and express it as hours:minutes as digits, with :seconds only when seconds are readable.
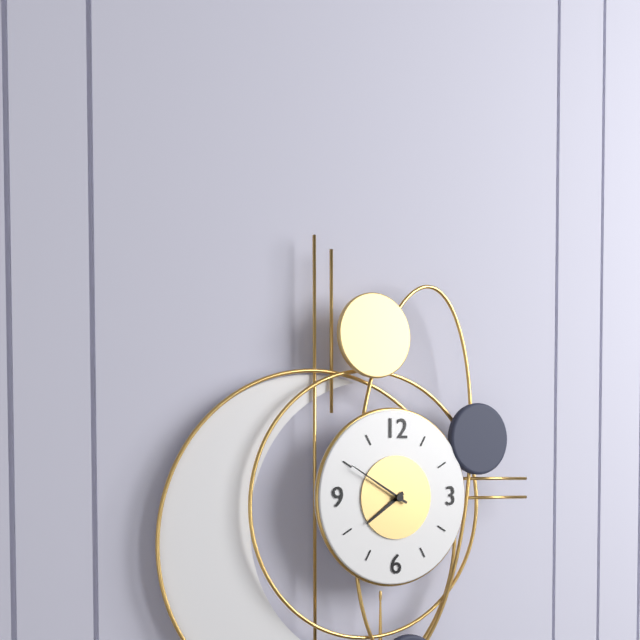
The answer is 7:50
